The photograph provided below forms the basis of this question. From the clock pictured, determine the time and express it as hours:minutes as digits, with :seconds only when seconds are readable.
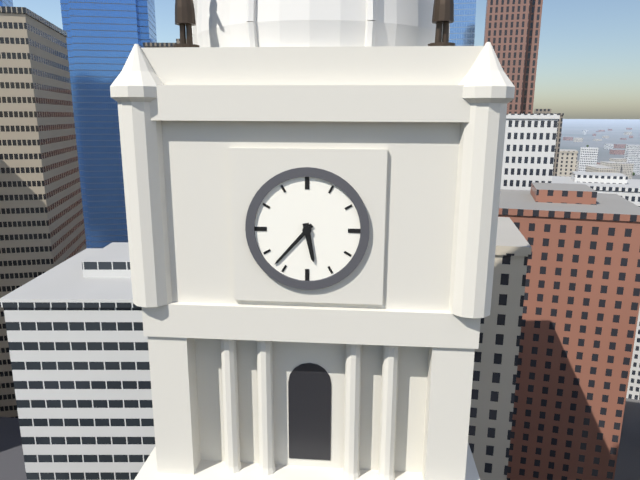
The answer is 5:37
